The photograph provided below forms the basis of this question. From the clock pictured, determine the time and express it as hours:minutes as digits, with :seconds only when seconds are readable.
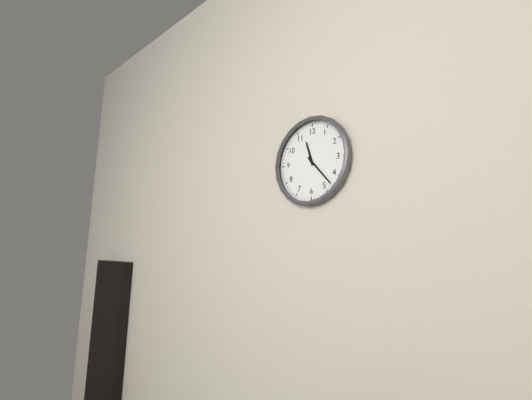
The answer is 11:23
